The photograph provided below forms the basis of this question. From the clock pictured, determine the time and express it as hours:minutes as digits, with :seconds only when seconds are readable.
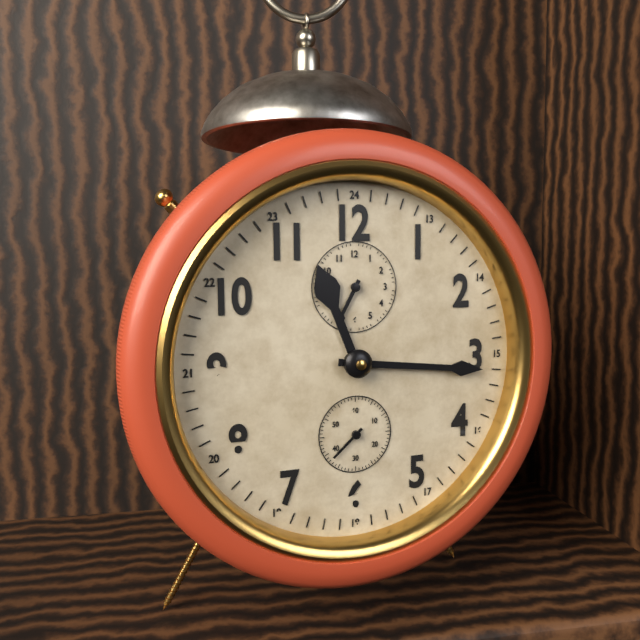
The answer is 11:16
